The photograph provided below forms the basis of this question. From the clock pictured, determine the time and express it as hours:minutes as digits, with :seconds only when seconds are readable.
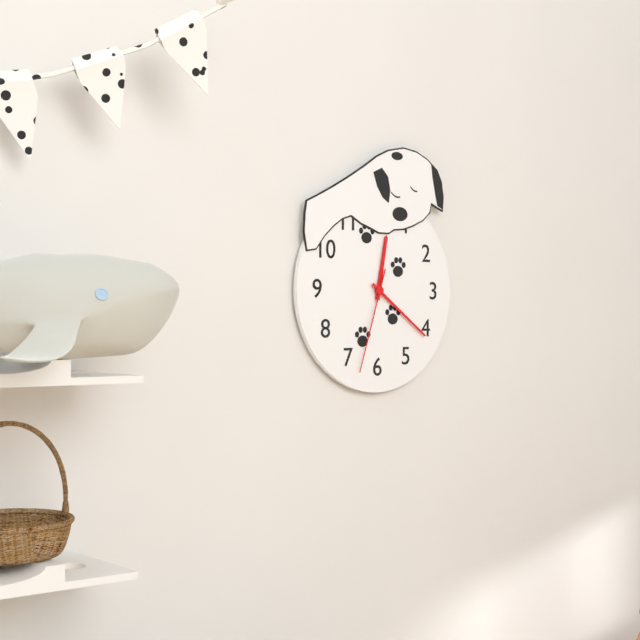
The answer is 12:21:33
